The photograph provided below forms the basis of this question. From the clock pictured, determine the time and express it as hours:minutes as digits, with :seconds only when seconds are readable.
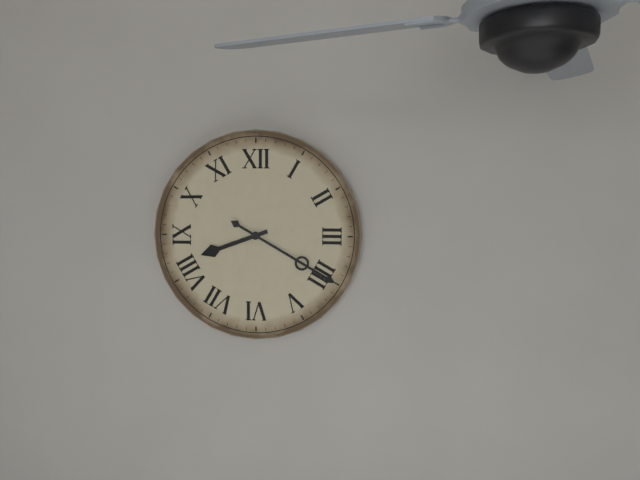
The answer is 8:20
